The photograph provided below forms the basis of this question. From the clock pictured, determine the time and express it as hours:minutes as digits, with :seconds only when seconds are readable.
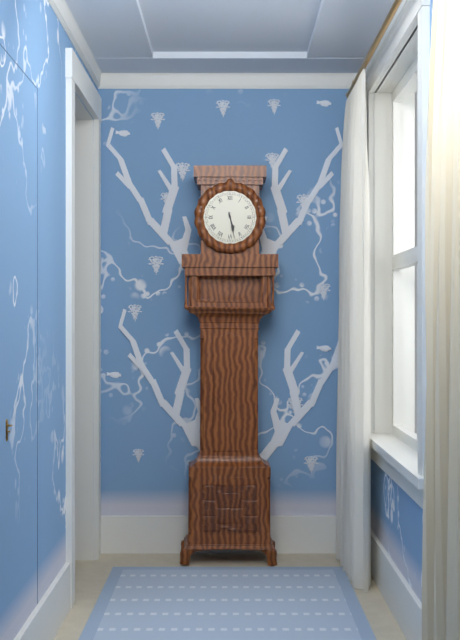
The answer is 5:28
